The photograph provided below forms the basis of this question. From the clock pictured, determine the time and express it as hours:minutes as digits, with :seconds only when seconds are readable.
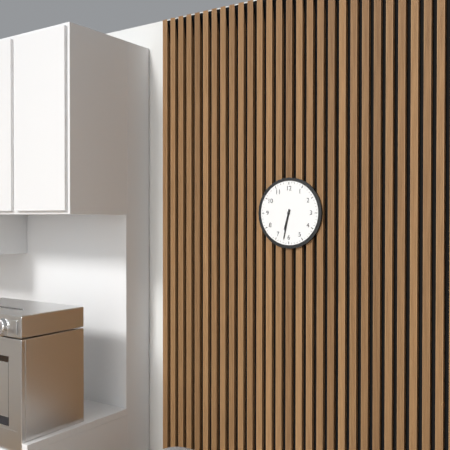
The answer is 6:32
